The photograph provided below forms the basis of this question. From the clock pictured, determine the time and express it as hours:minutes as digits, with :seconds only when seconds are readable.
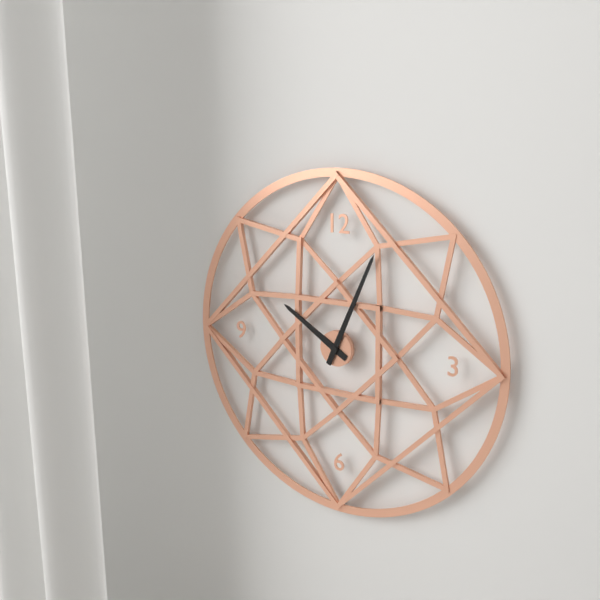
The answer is 10:04
